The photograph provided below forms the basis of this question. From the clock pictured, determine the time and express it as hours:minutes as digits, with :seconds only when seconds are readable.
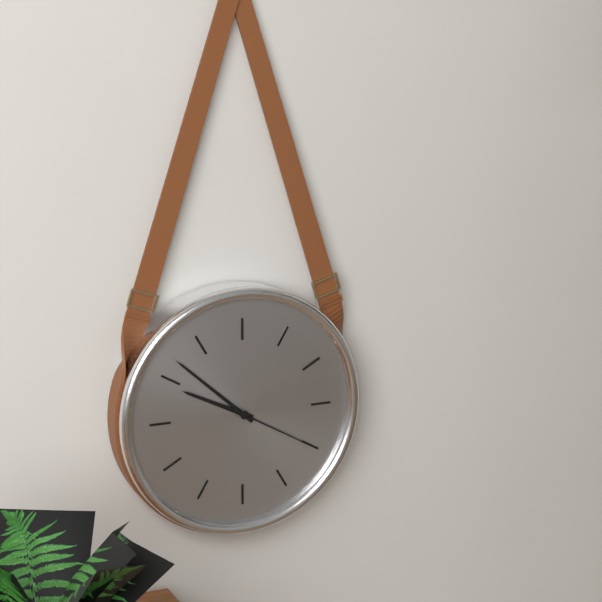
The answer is 9:52:20
